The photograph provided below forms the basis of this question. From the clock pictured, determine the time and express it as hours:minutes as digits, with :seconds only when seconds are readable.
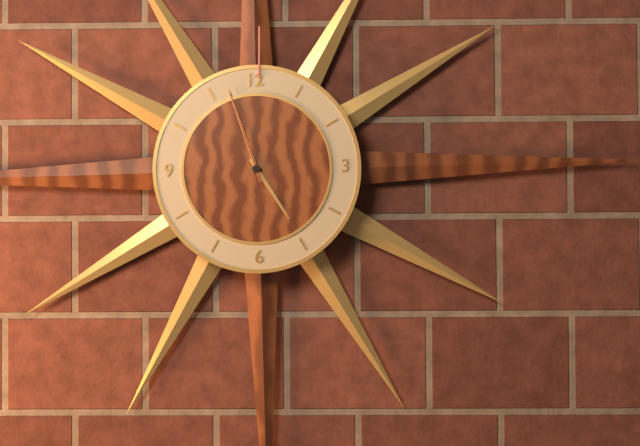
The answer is 4:57:57
